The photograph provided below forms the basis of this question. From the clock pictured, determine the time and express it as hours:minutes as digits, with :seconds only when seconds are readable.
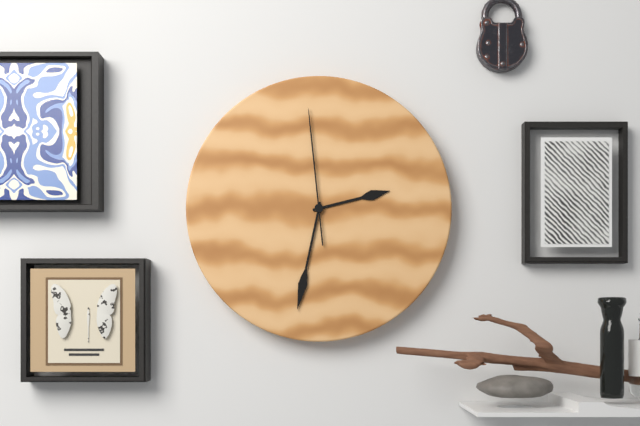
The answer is 2:32:59
